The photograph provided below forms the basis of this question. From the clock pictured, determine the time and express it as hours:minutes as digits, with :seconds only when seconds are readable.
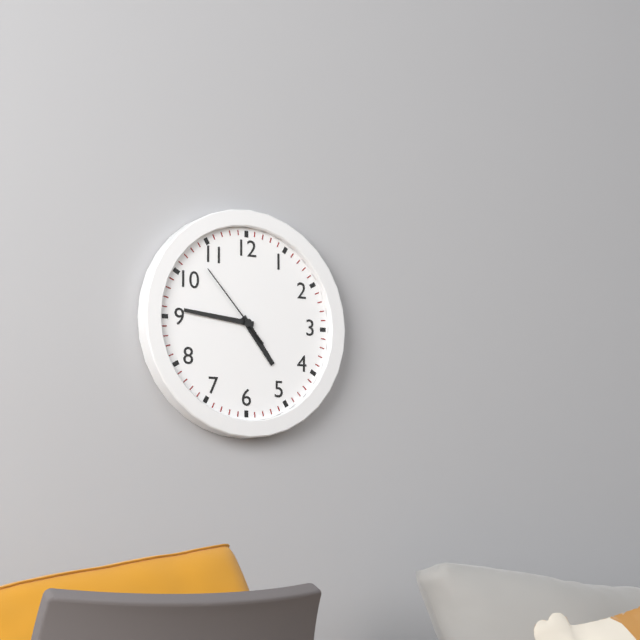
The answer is 4:46:53
